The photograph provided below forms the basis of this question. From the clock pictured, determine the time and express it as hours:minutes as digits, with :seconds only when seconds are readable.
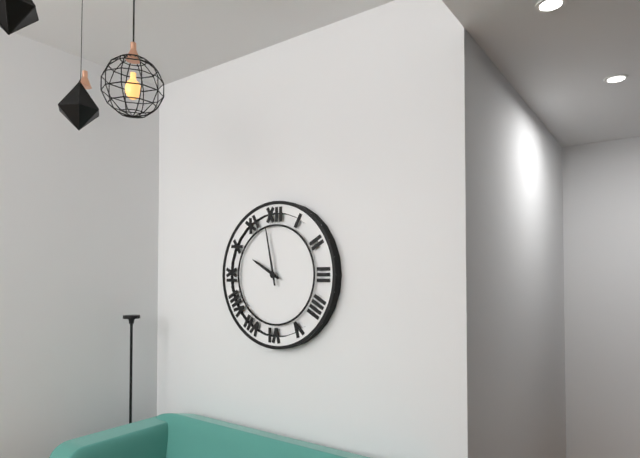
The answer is 9:58
